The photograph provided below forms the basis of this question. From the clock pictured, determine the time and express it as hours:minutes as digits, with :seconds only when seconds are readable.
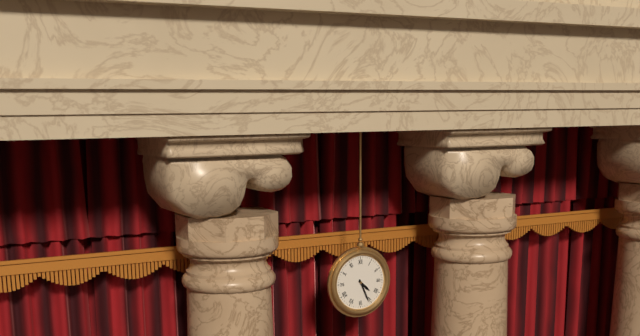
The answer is 4:26
